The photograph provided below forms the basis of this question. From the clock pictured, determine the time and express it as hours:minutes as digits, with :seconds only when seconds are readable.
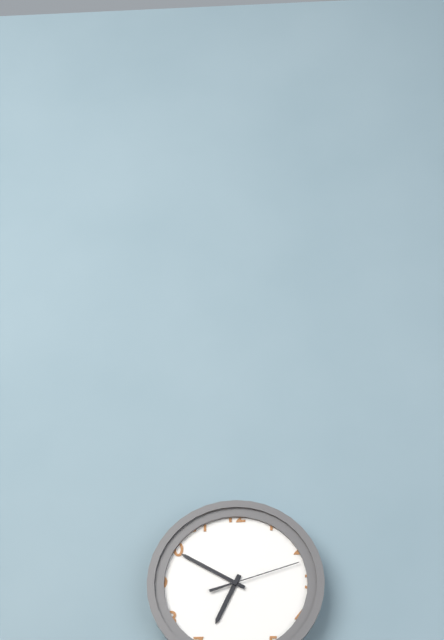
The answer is 6:50:12
